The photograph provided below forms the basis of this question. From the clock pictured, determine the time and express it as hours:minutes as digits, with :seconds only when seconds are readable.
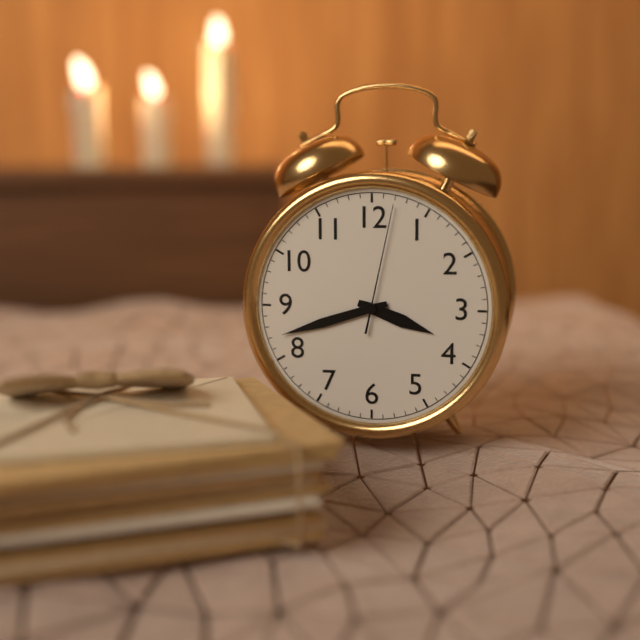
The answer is 3:42:02
